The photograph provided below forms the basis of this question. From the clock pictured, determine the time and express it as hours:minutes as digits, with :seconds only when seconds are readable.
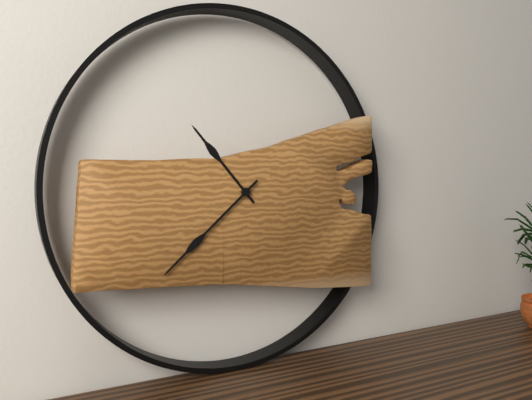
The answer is 10:38
